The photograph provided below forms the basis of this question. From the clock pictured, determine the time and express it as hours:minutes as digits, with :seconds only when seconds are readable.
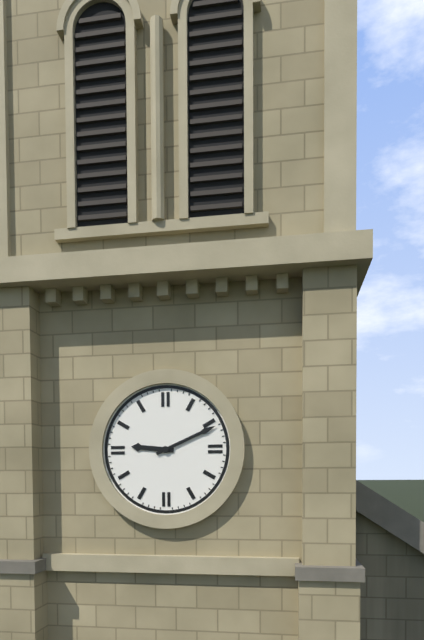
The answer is 9:11
